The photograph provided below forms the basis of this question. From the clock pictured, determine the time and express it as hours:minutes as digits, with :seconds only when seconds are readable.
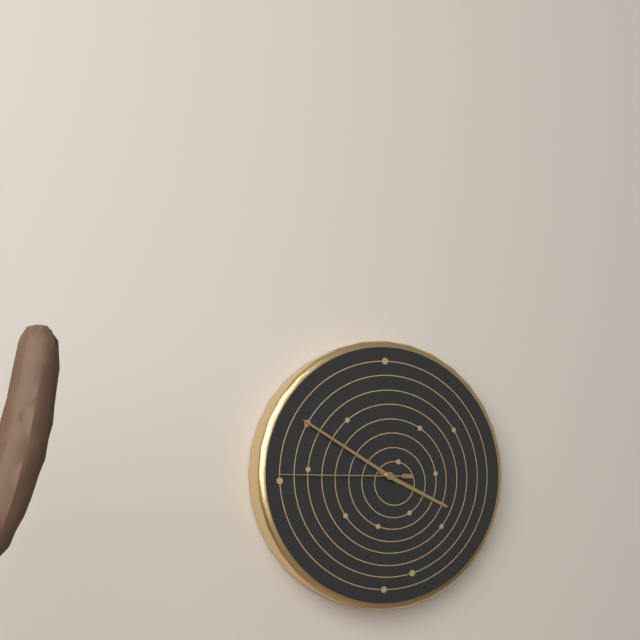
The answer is 3:50:45
